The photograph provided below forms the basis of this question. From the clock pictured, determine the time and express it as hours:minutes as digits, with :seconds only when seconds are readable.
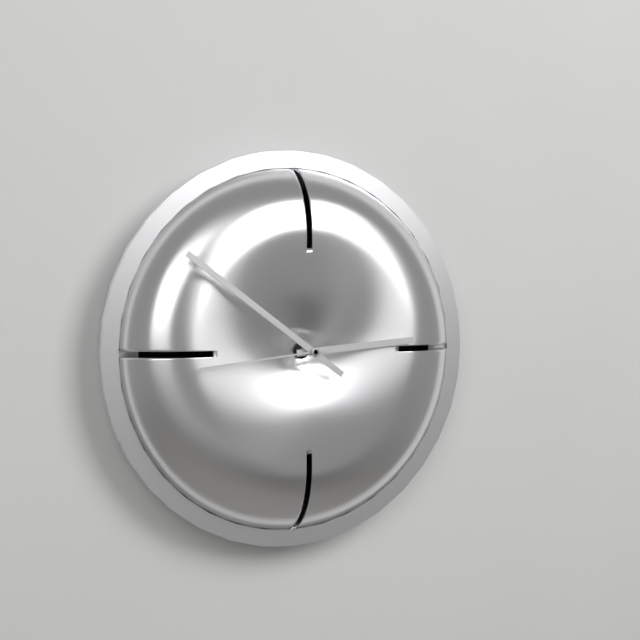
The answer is 2:51:44
